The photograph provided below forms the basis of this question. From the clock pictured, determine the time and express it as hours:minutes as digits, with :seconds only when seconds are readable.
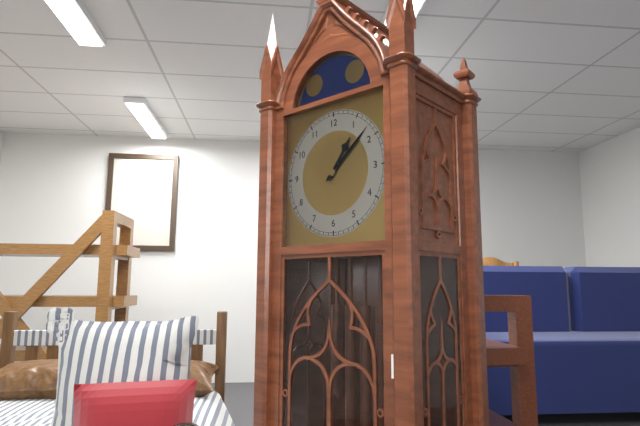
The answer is 1:08
